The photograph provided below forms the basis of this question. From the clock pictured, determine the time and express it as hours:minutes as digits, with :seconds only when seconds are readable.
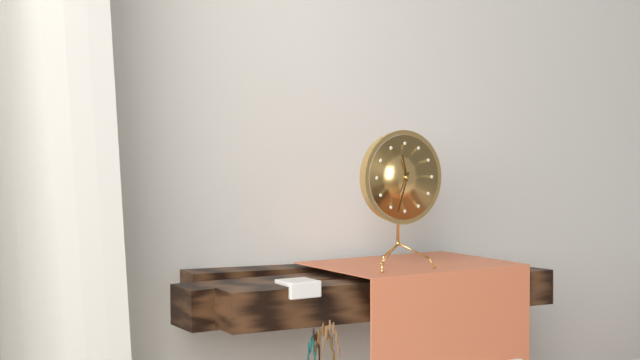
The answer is 11:33
